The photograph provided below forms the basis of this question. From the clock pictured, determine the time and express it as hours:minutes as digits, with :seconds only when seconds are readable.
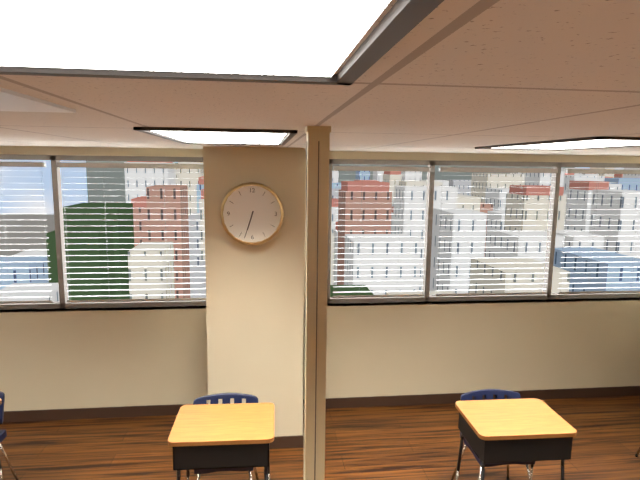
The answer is 6:33
